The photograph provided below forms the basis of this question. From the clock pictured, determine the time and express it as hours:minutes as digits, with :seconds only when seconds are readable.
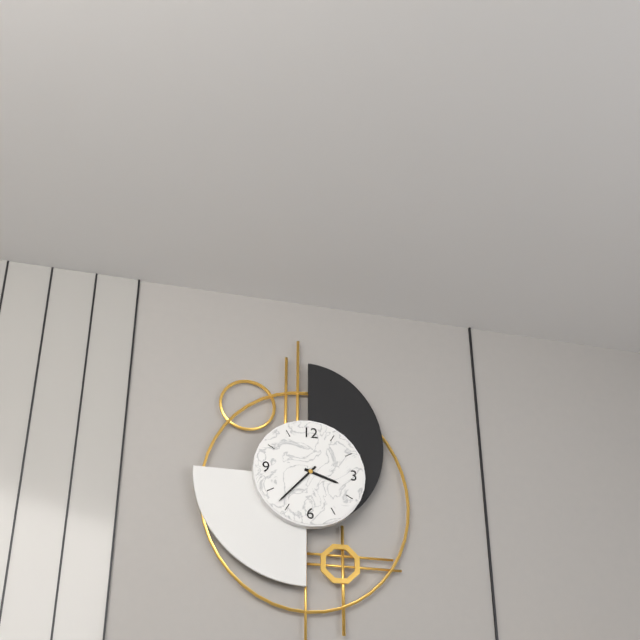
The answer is 3:37
